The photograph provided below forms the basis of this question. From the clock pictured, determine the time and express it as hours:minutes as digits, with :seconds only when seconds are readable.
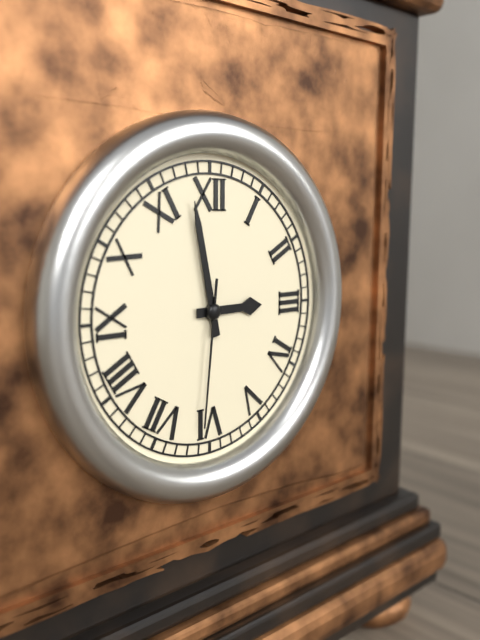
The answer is 2:58:31
